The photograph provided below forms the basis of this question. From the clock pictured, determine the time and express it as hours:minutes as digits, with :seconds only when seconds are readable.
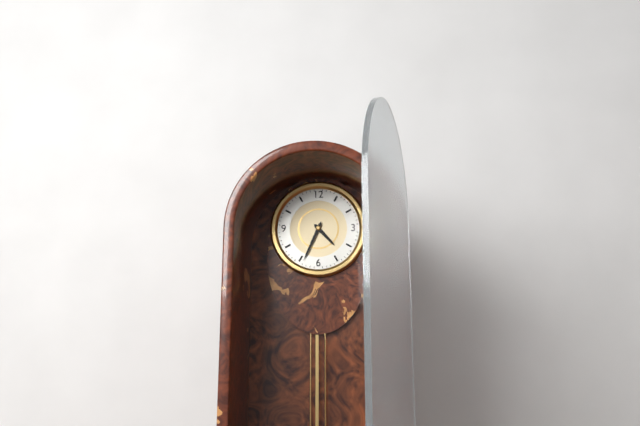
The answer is 4:34
